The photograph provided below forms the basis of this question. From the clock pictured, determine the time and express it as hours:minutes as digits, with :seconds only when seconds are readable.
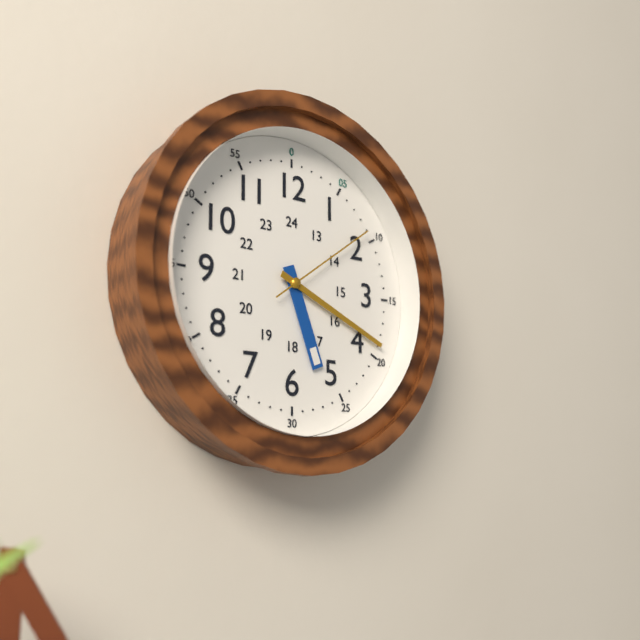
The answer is 5:19:09
